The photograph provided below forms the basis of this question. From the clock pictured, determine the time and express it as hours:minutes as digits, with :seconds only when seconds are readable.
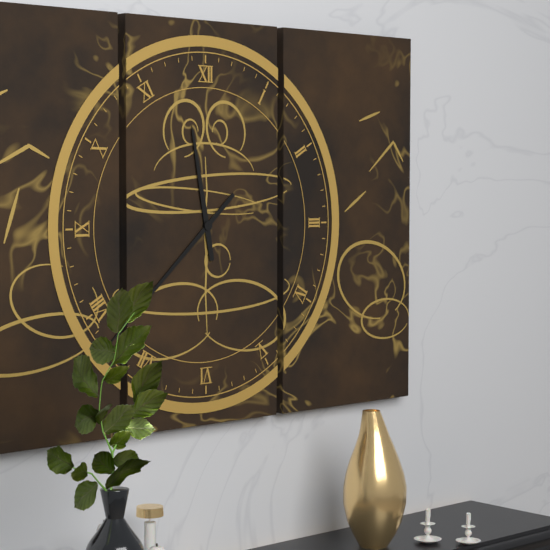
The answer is 11:38
